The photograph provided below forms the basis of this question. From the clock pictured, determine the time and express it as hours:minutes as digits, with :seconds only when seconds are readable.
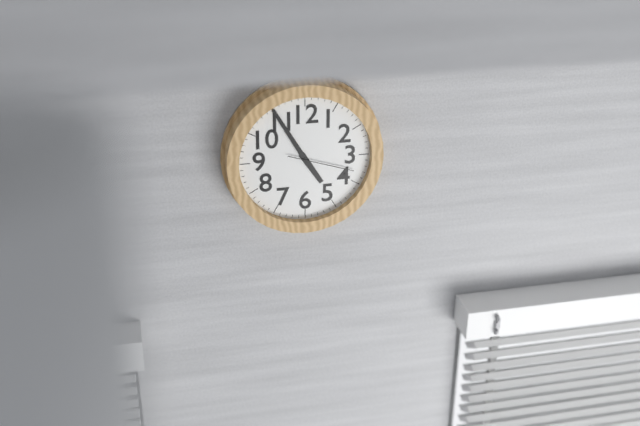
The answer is 4:55:18
